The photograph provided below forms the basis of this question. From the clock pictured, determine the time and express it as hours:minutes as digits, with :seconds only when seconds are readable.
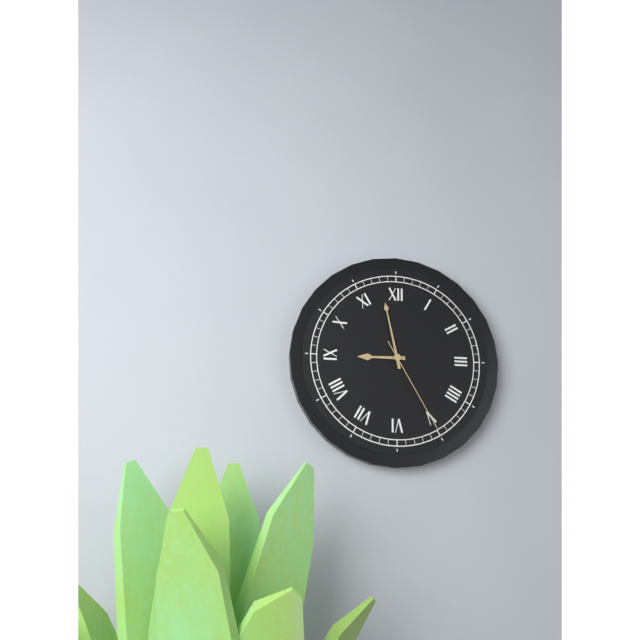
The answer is 8:58:25
